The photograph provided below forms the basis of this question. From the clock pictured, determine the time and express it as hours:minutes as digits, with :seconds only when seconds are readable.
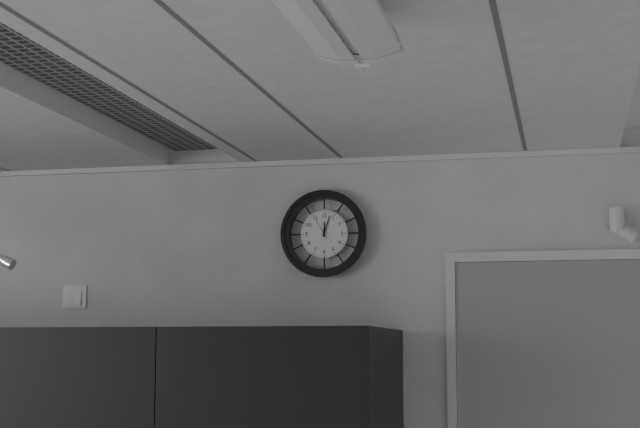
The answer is 12:03
